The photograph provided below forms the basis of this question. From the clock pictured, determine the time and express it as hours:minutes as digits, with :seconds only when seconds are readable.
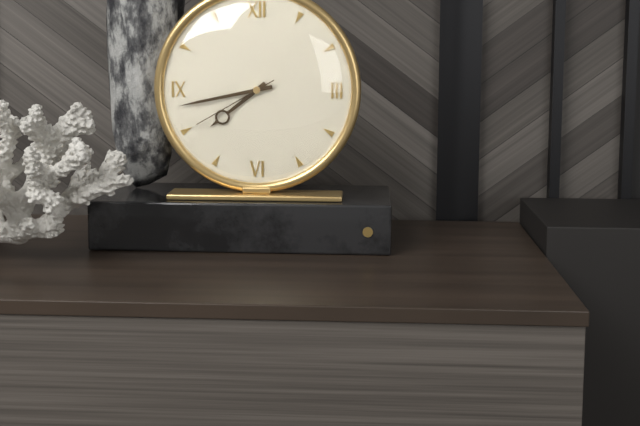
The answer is 7:43:40
